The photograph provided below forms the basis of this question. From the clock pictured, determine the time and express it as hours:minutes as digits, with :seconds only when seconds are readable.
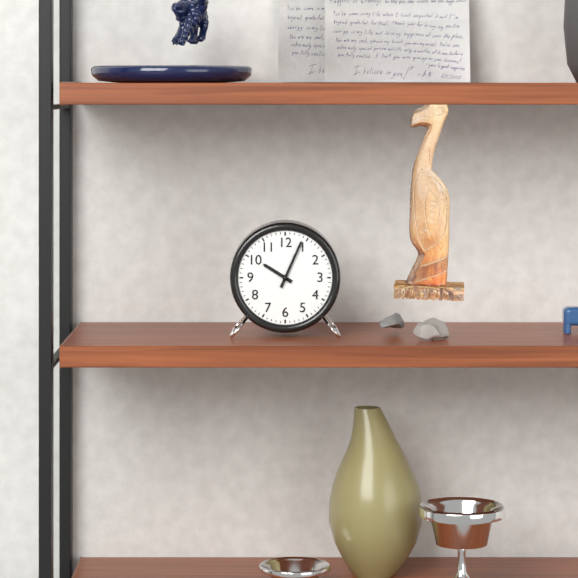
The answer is 10:04
